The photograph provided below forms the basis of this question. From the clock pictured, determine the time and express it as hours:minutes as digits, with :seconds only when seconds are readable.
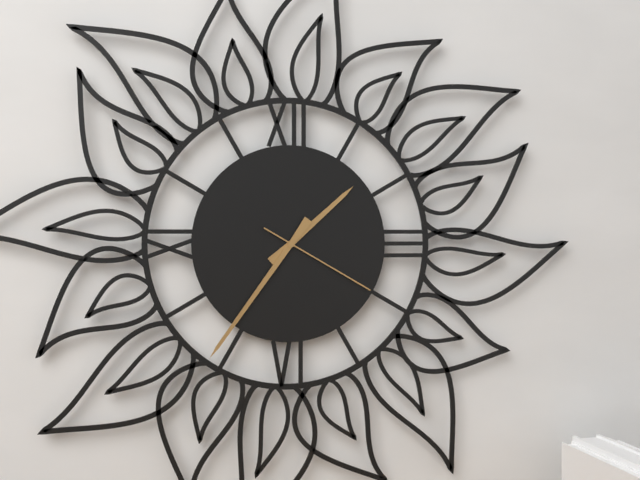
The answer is 1:36:20
